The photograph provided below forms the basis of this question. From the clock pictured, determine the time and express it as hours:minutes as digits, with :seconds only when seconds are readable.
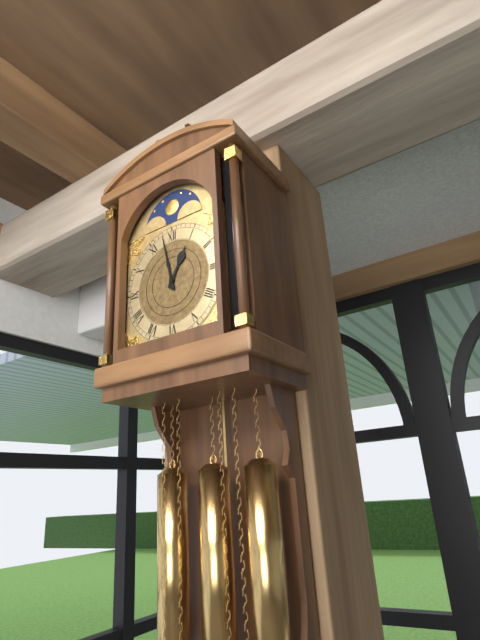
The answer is 12:58
